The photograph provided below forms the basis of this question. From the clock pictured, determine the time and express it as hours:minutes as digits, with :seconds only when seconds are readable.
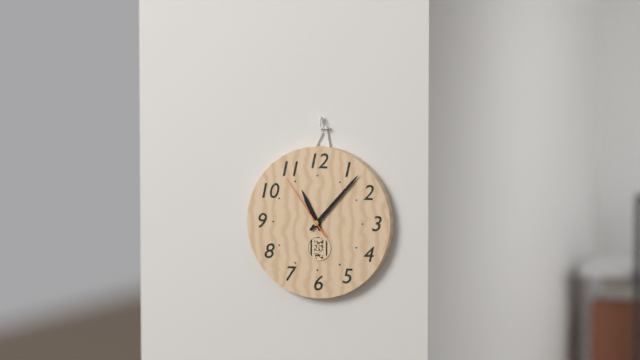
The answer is 11:07:54
